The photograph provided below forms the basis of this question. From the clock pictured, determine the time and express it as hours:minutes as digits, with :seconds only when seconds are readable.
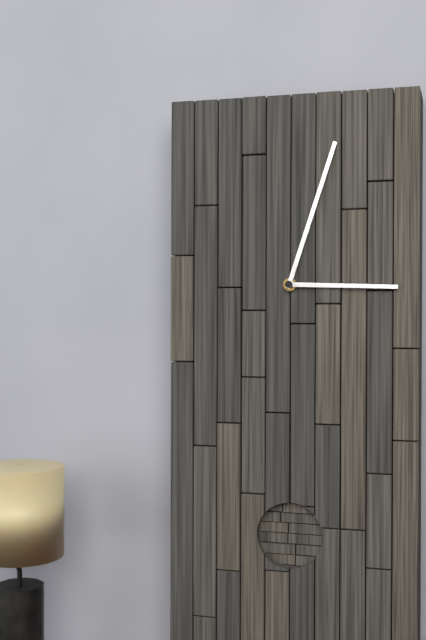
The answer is 3:03
